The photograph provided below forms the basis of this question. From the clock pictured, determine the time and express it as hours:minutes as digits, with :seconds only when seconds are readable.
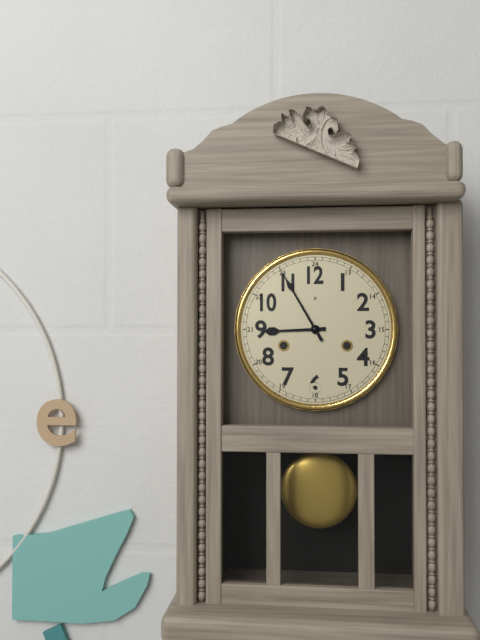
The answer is 8:55
